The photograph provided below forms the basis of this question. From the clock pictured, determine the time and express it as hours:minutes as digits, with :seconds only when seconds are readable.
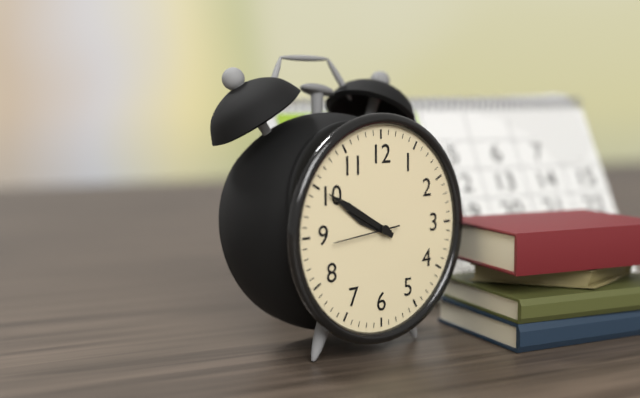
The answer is 9:50:44
